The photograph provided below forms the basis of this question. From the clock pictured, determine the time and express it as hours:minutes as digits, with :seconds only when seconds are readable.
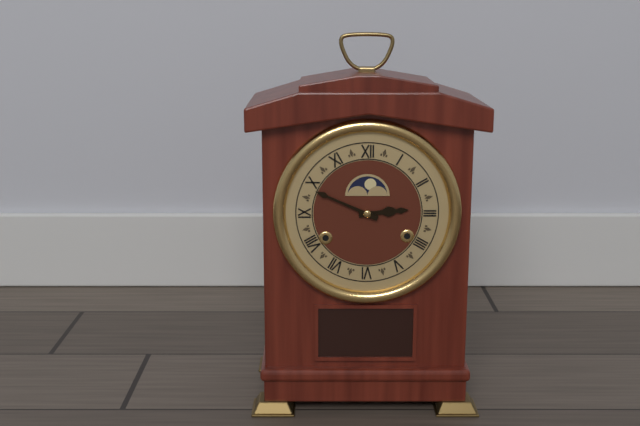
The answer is 2:49
